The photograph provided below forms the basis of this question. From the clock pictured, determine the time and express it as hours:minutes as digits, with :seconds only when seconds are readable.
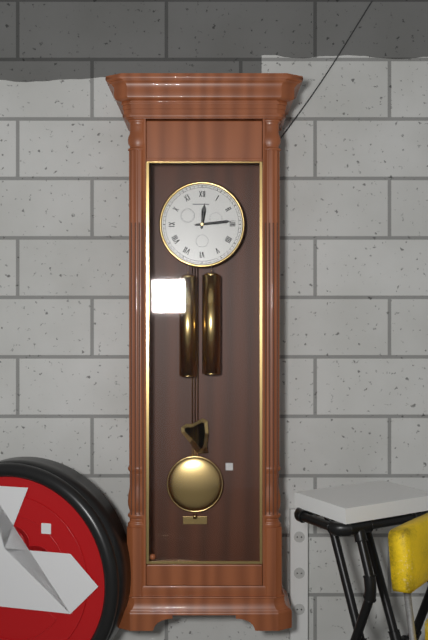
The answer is 12:14
